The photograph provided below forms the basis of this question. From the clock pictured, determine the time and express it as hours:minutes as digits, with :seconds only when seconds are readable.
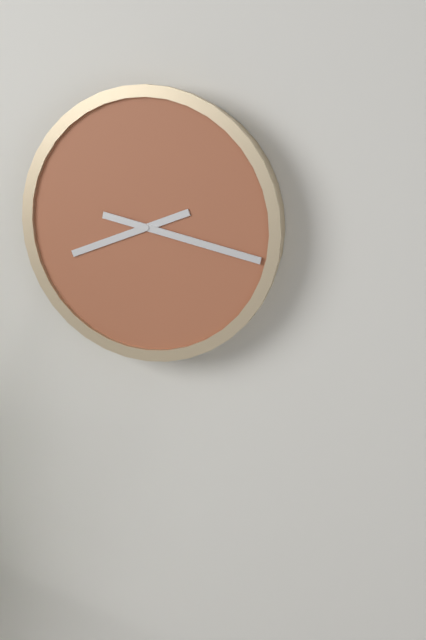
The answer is 8:17
